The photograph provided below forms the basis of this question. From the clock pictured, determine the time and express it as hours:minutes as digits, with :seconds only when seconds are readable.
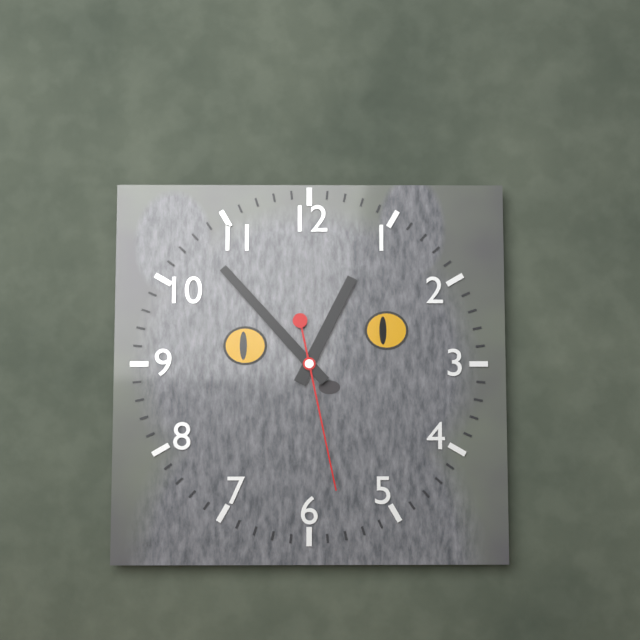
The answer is 12:53:28
